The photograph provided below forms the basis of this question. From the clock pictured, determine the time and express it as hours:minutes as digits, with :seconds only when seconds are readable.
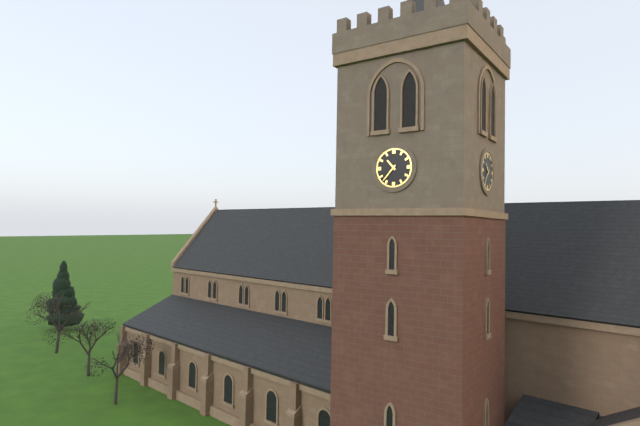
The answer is 10:37
